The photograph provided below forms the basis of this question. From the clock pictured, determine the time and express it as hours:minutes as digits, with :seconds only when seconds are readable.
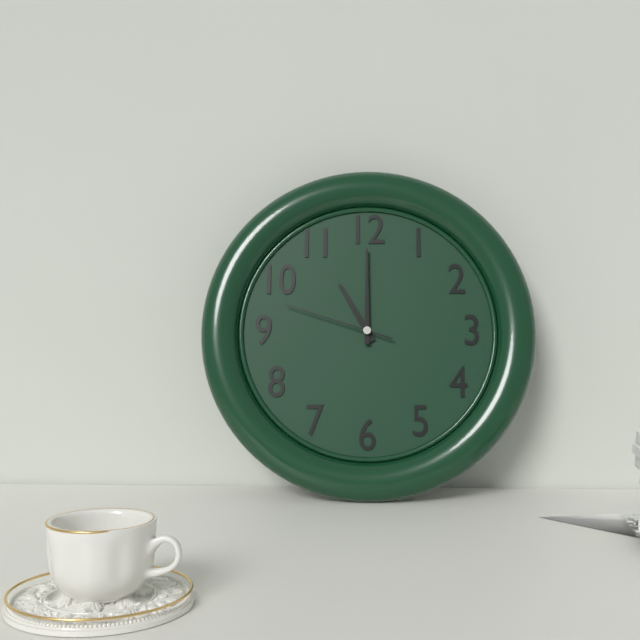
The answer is 11:00:48
